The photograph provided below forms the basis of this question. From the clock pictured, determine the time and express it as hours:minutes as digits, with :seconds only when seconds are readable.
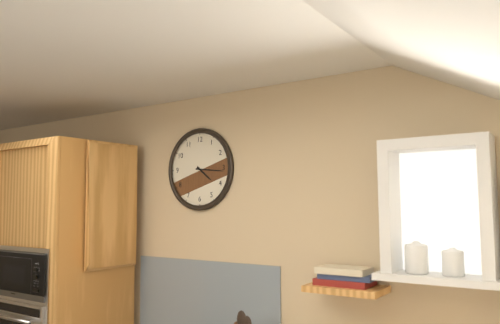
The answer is 4:16
